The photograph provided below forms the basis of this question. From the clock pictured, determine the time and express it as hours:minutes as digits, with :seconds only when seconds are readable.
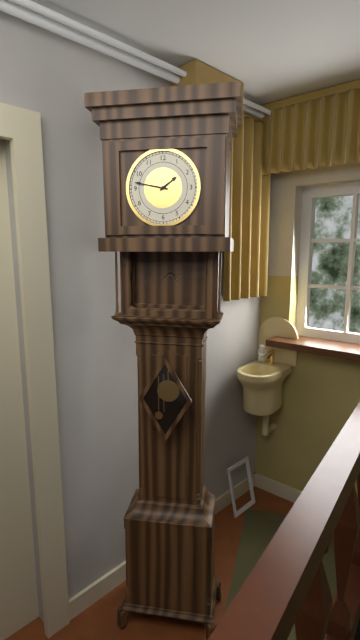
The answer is 1:47
